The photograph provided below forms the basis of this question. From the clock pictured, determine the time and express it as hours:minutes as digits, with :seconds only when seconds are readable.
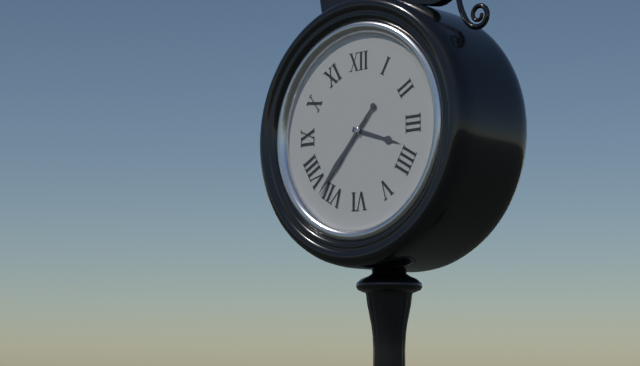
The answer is 3:37
